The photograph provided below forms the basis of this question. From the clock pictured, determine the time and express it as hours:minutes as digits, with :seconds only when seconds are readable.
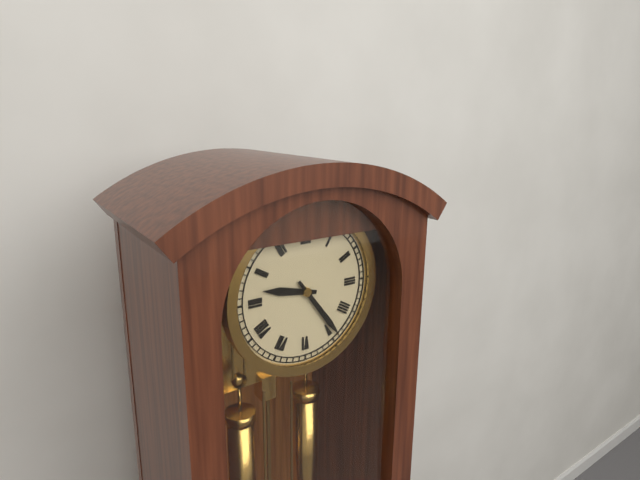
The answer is 9:24
